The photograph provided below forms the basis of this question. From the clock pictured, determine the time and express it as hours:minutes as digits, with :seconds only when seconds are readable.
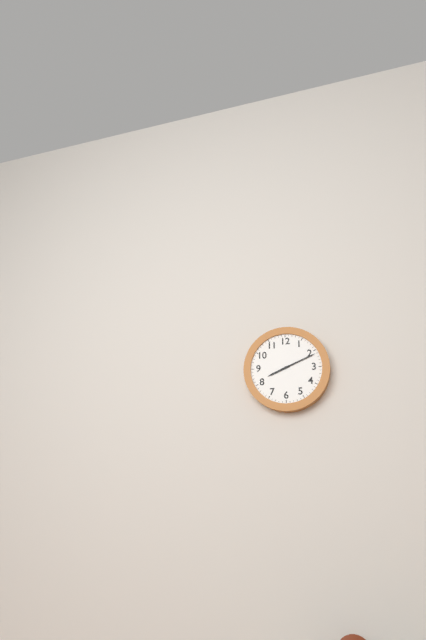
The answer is 8:11
